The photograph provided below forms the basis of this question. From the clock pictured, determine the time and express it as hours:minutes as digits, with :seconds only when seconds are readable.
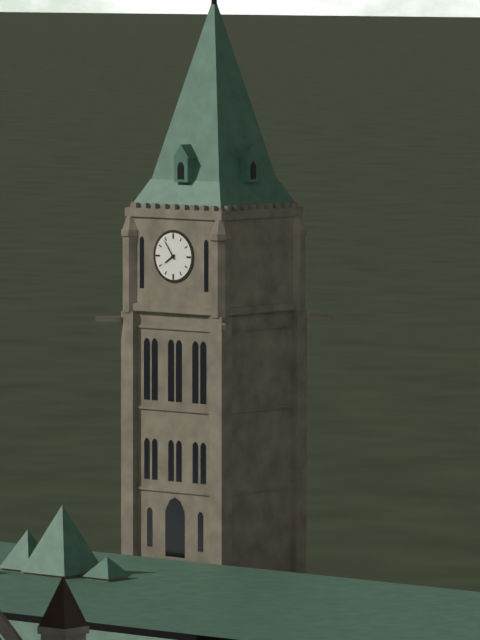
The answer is 7:54
